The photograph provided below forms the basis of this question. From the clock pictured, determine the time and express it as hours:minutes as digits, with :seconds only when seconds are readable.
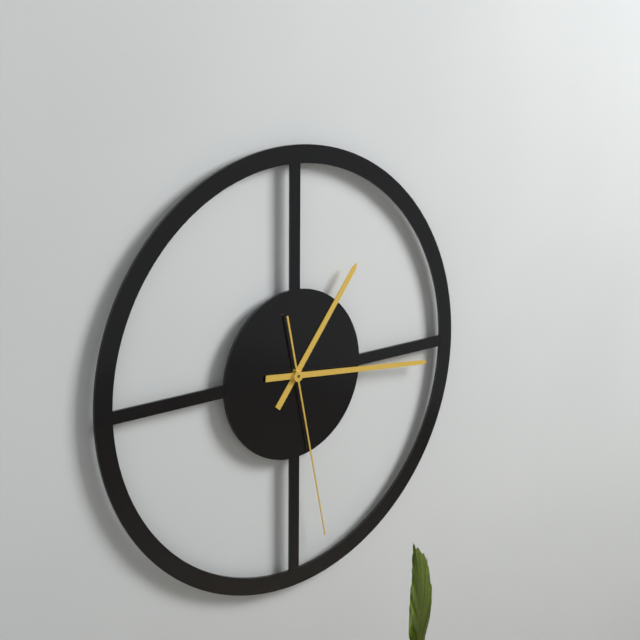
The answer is 1:16:28
